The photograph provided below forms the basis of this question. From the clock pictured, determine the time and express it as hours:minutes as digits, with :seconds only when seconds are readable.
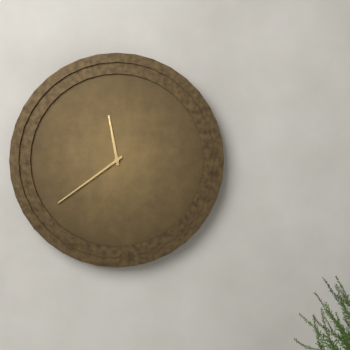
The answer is 11:39
